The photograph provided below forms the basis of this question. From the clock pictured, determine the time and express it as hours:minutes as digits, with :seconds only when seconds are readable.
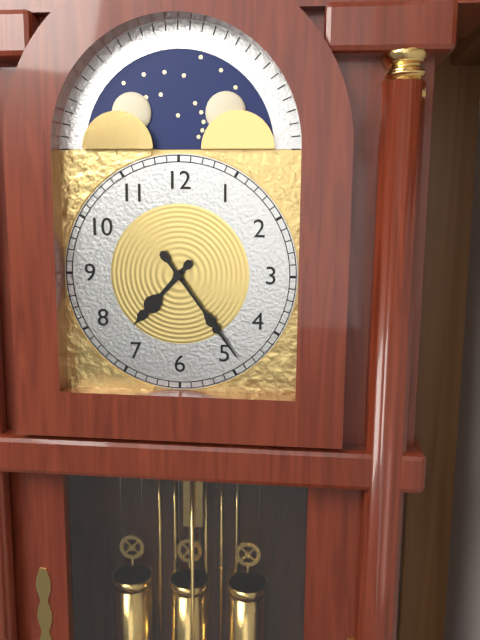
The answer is 7:24
